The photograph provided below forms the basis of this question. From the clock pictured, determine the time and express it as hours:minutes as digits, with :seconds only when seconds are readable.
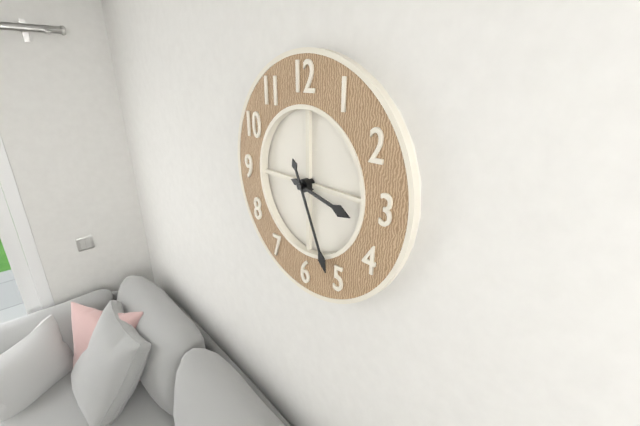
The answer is 3:26
